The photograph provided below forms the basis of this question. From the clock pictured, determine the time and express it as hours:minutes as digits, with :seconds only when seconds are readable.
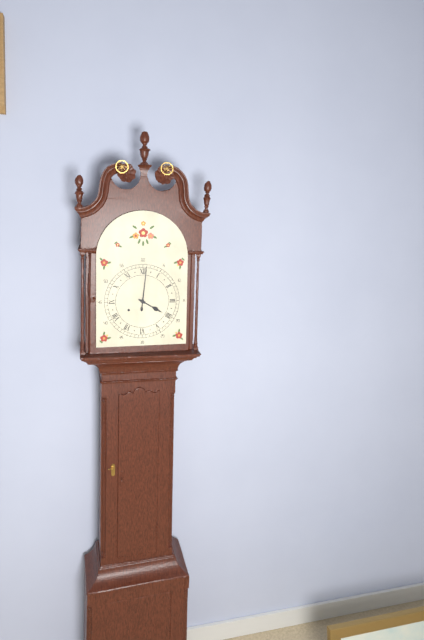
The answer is 4:01
